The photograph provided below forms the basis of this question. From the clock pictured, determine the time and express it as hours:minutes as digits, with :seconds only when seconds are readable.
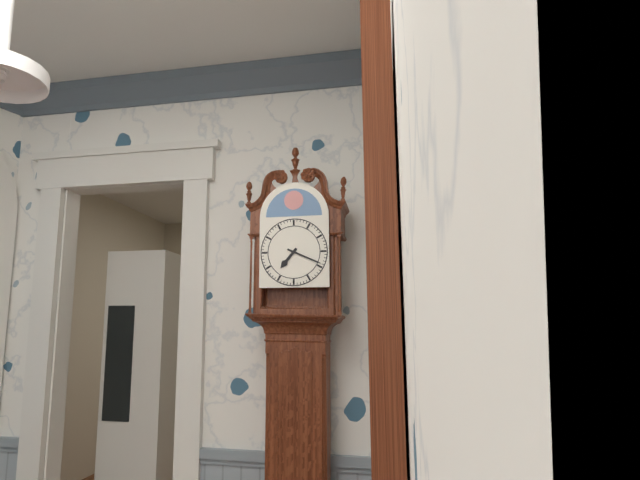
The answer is 7:19
